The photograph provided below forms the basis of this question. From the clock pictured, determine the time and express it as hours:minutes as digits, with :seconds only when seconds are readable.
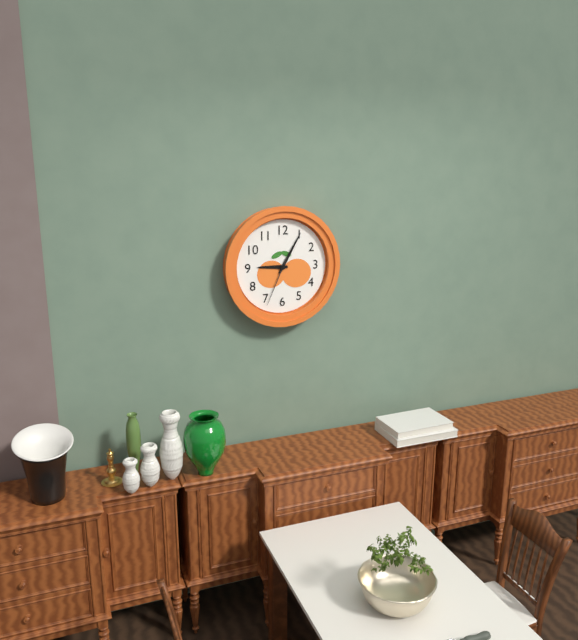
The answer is 9:05:34
